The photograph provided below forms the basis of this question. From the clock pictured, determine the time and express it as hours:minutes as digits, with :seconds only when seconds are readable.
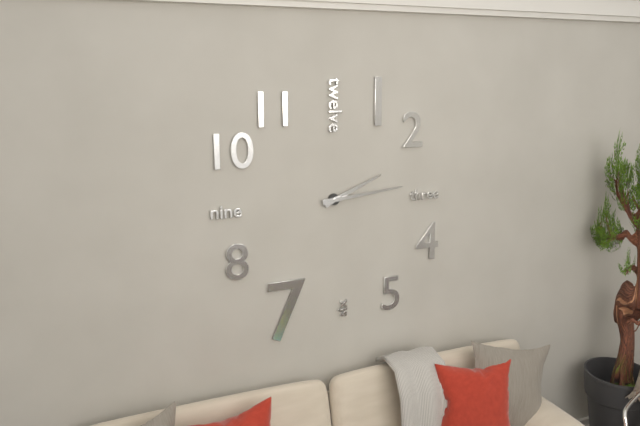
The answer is 2:14
